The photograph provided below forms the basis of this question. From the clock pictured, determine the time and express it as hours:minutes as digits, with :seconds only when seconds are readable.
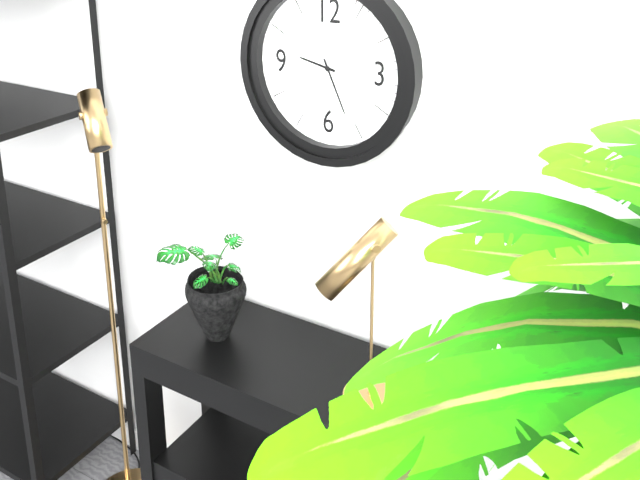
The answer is 9:26
